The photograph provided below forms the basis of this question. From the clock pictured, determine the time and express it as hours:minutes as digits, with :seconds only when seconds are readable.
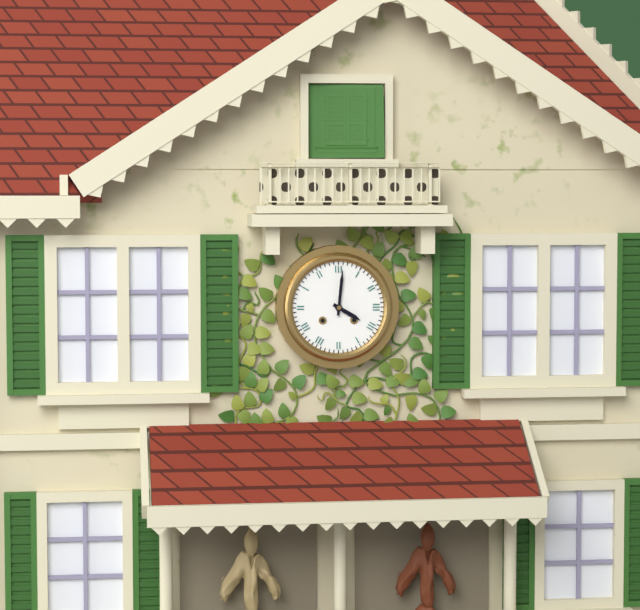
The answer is 4:01
